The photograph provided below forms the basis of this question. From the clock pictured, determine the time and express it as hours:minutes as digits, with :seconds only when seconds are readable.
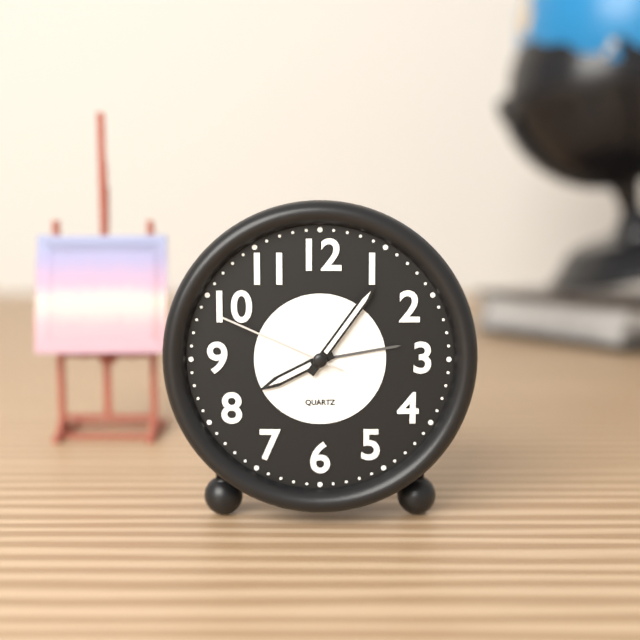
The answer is 8:06:49
